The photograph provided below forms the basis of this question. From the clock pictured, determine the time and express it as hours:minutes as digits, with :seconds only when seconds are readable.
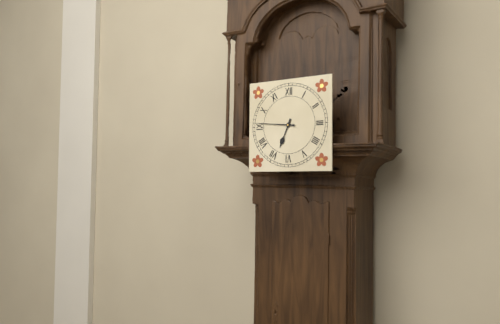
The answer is 6:46
